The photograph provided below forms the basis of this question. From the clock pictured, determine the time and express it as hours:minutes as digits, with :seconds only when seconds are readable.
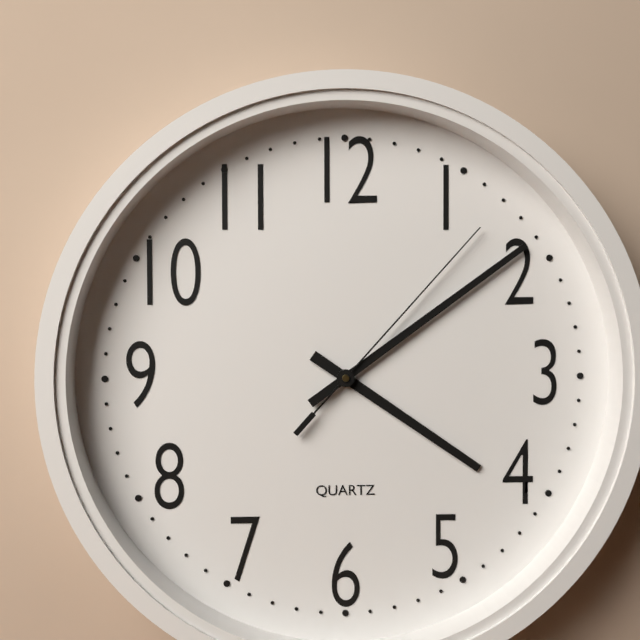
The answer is 4:09:07
